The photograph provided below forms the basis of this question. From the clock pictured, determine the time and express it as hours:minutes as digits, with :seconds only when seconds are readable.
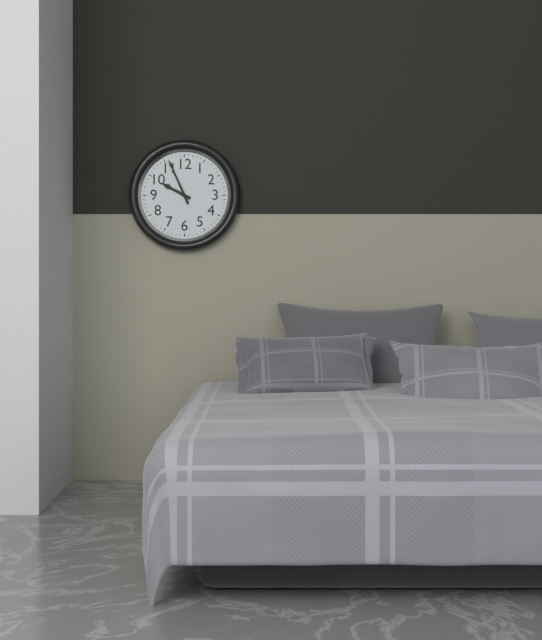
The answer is 9:56
